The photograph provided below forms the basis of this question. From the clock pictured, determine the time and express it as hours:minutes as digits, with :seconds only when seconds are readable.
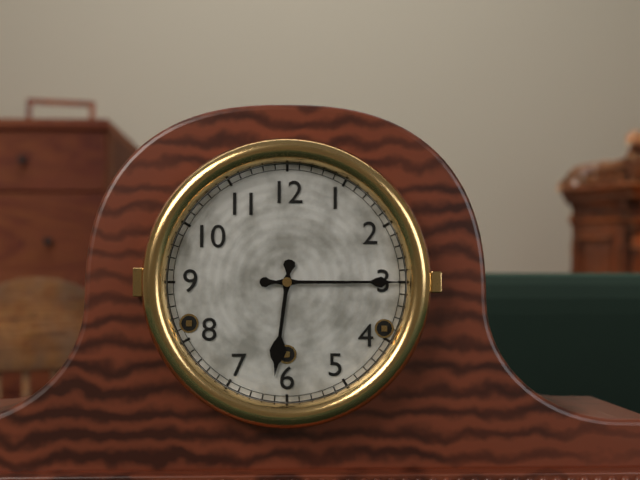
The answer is 6:15
